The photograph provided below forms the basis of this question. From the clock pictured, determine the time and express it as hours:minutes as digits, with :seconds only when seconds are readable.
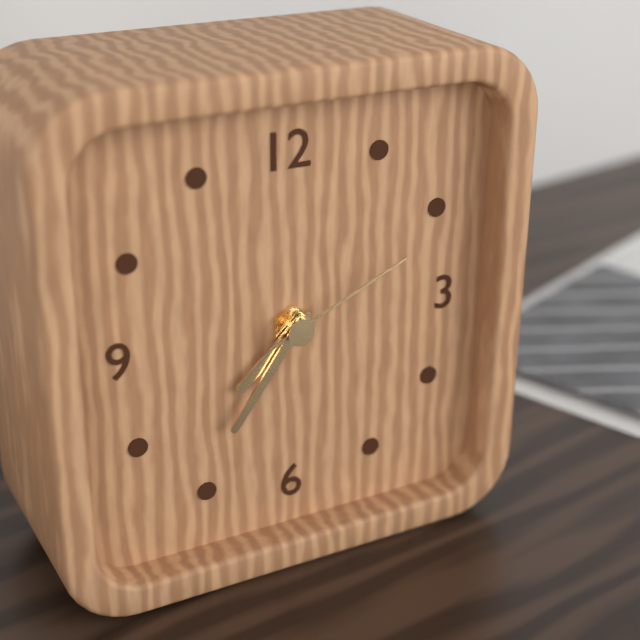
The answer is 7:36:11
